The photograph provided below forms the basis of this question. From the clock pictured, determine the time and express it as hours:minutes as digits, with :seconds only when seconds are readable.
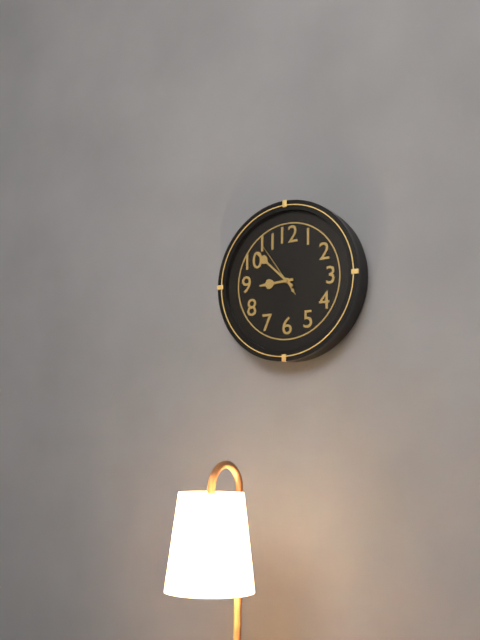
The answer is 8:52:54
